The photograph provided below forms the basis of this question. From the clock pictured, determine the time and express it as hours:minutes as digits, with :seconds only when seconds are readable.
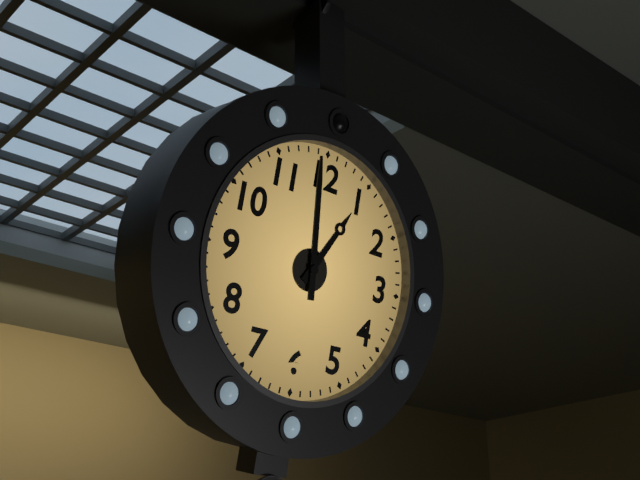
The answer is 12:59
